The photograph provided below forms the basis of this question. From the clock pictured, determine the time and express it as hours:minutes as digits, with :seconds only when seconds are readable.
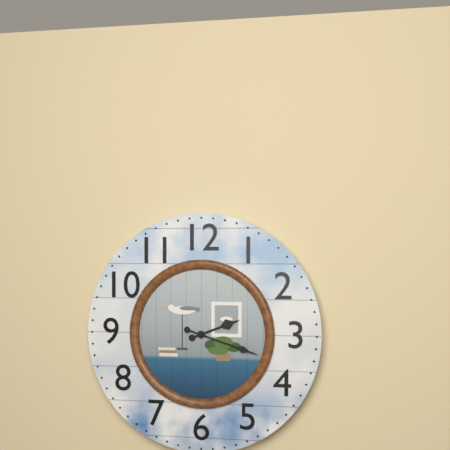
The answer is 2:18
